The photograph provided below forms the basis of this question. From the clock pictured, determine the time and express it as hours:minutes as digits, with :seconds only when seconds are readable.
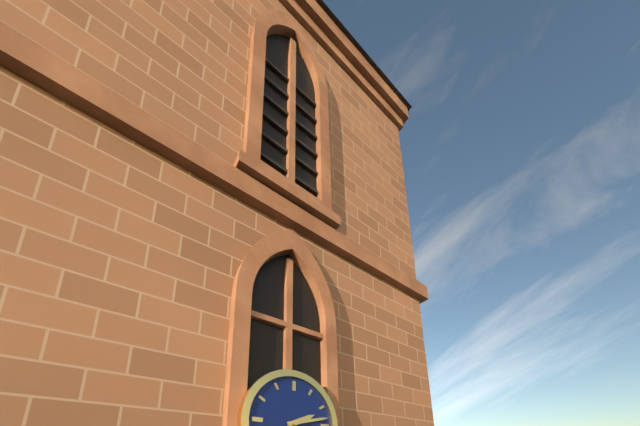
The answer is 2:13
